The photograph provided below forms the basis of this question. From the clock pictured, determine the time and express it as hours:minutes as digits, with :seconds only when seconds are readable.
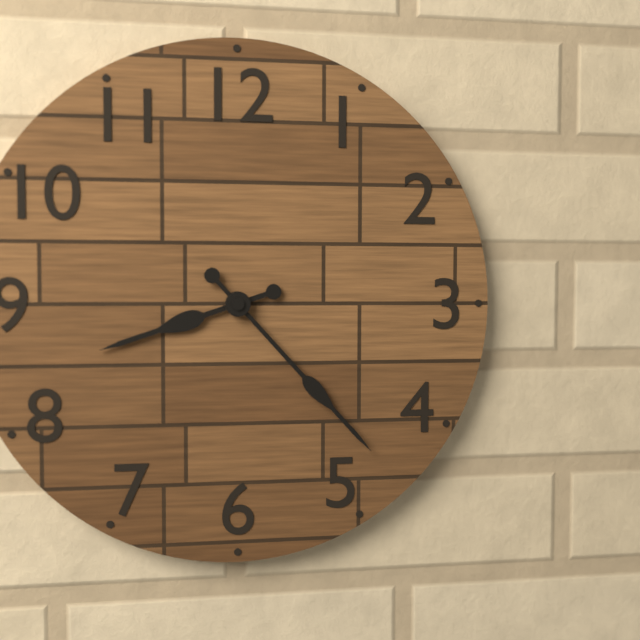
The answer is 8:23
